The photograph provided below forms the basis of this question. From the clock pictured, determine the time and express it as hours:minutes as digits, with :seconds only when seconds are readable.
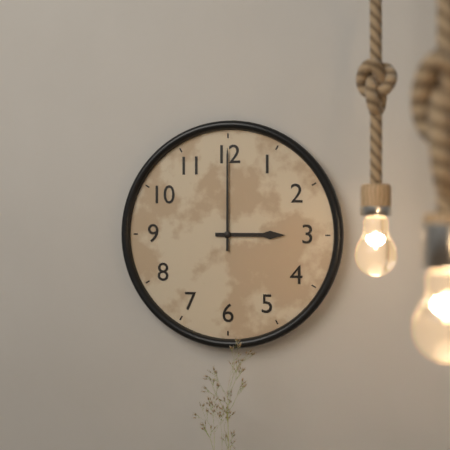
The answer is 3:00
